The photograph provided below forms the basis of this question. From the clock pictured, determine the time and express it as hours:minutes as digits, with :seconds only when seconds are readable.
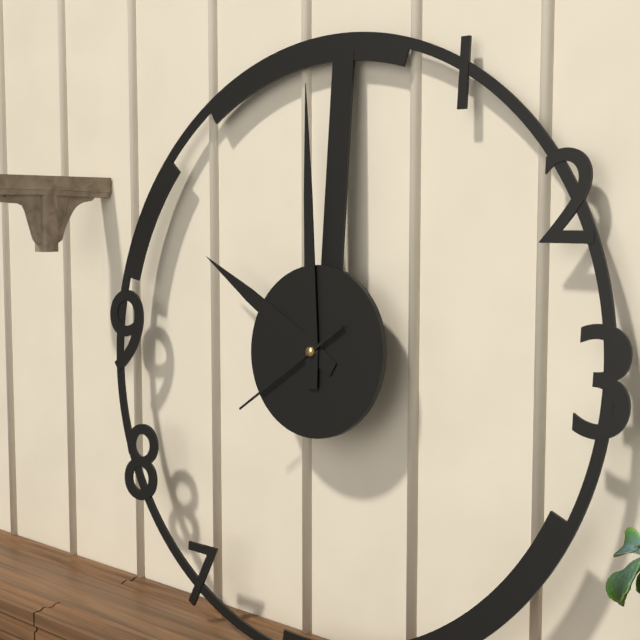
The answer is 9:59:39
